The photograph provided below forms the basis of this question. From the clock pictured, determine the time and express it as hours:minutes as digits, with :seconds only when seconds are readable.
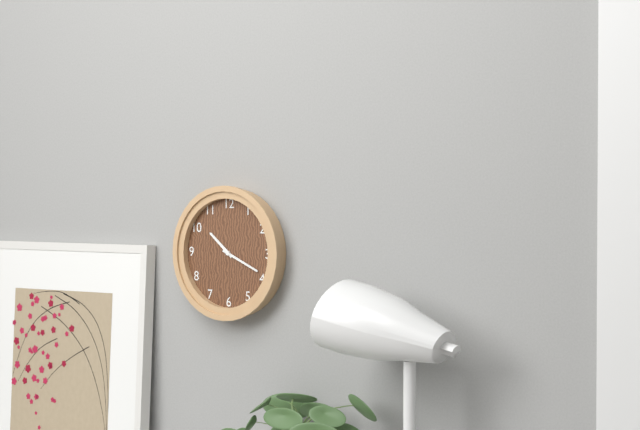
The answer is 10:19
